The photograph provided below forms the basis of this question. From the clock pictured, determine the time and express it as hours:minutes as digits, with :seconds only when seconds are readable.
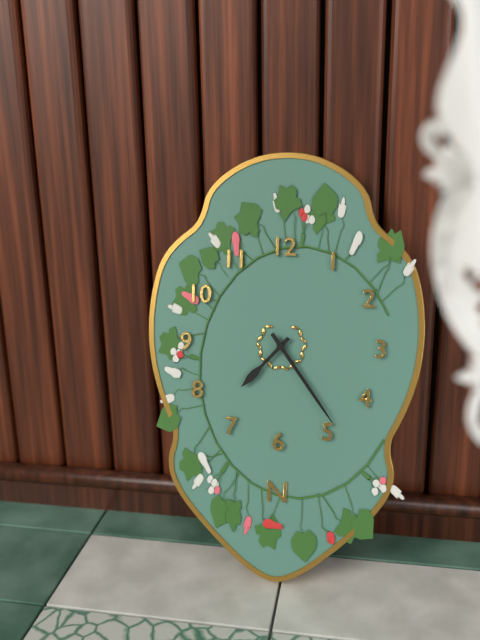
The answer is 7:24
